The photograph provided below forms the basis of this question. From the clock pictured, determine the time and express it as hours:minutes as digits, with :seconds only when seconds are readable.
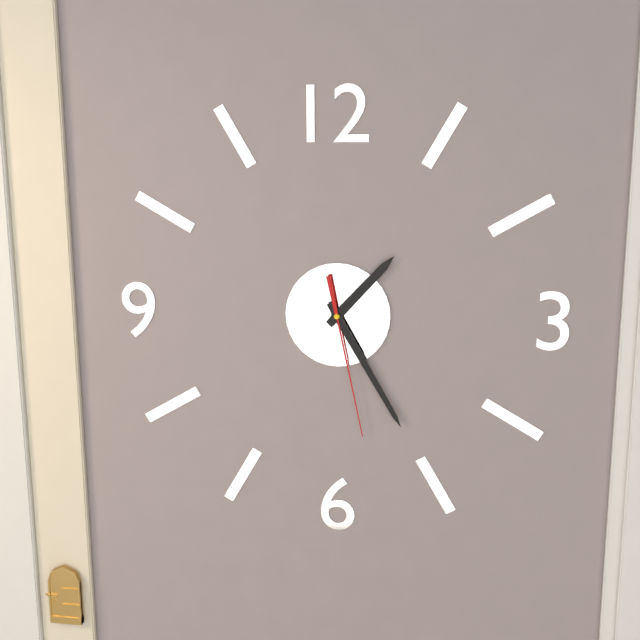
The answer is 1:25:28
